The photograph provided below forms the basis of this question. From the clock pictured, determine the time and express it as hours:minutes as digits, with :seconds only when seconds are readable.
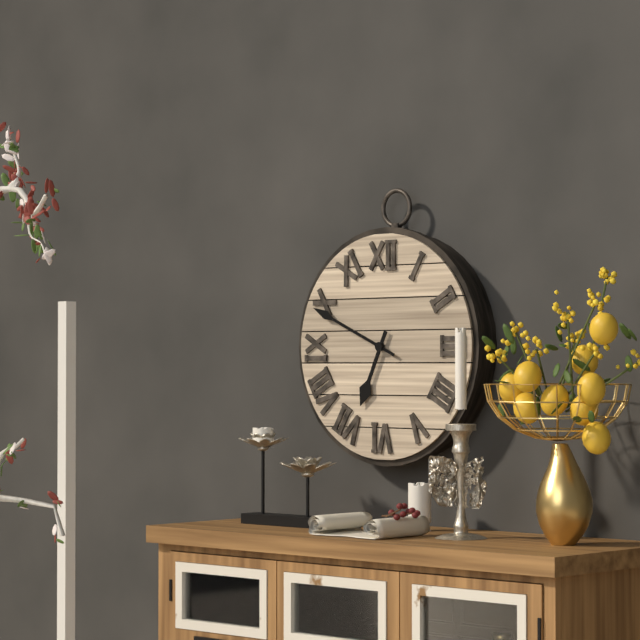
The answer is 6:49
